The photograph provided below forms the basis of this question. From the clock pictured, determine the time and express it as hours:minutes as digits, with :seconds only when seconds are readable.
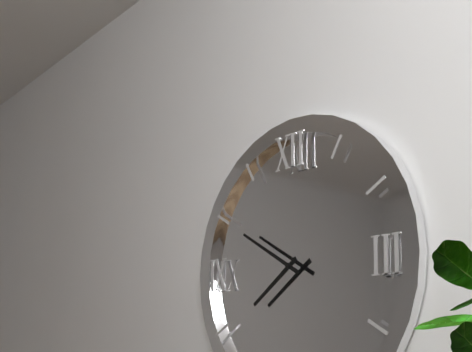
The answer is 7:50
